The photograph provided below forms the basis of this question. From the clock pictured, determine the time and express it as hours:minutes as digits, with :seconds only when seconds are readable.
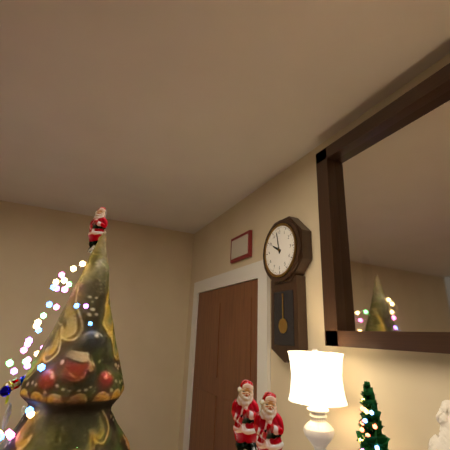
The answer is 9:58
